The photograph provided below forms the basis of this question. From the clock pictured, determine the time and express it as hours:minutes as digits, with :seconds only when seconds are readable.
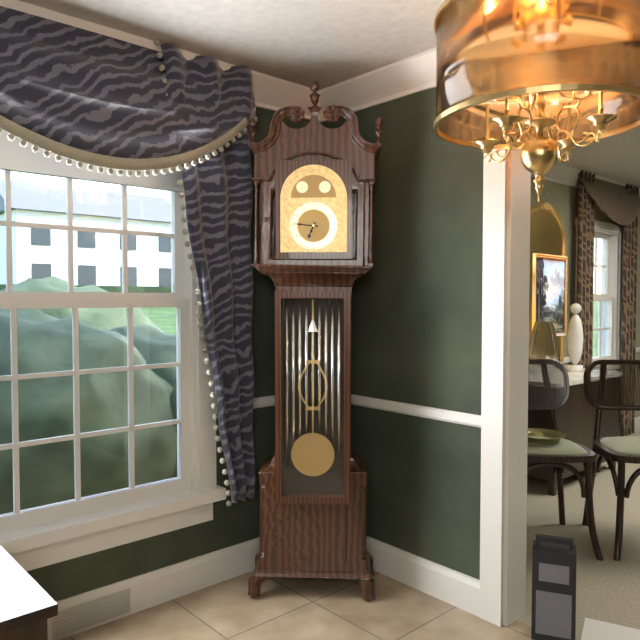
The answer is 6:46
